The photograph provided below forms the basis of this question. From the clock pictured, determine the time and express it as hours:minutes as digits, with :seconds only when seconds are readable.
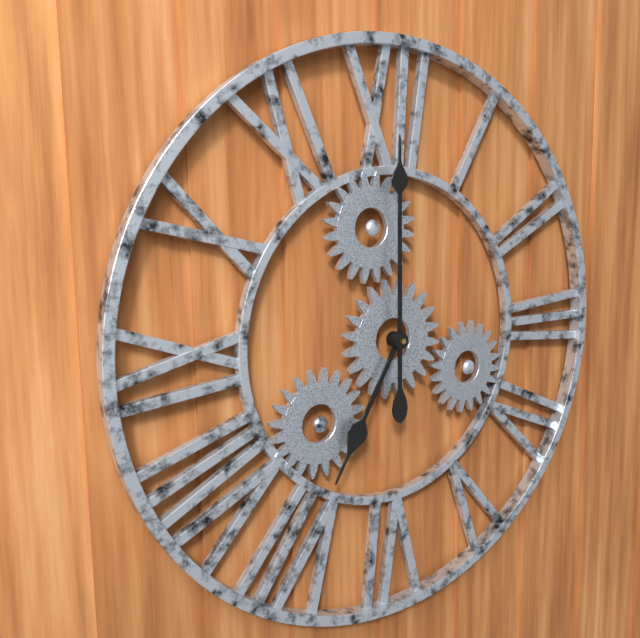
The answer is 7:00
